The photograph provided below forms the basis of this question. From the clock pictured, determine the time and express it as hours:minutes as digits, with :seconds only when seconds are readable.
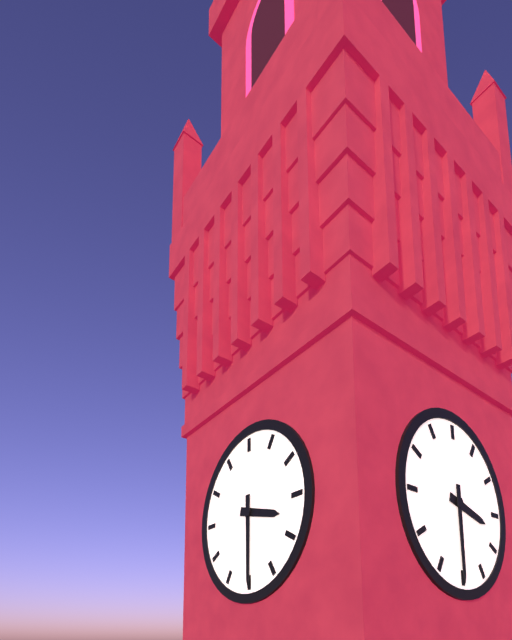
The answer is 3:30
